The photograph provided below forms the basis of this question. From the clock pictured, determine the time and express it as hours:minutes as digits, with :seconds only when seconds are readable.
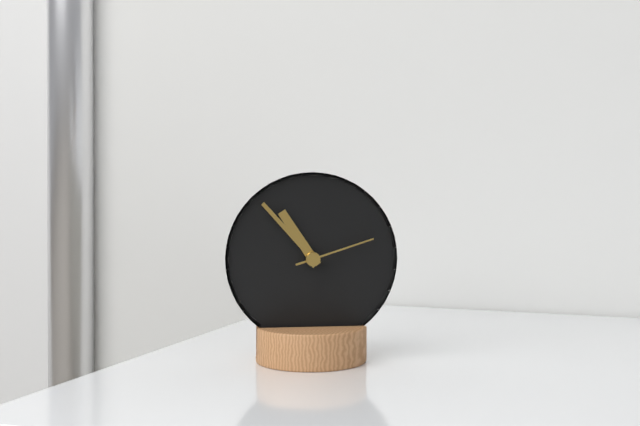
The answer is 10:53:12
